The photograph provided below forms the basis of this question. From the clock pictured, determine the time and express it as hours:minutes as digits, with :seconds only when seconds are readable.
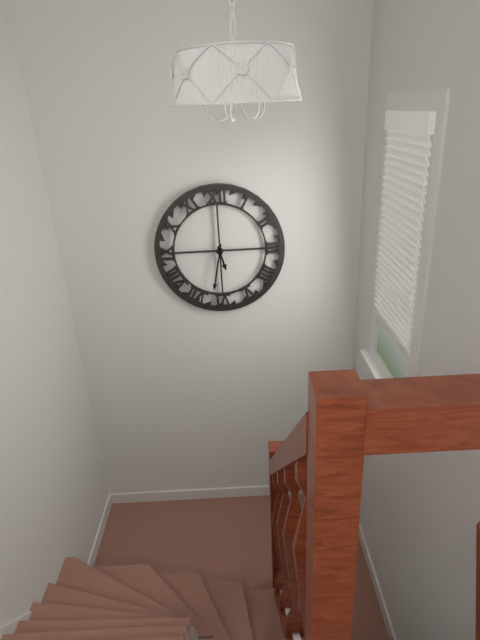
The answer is 5:32
